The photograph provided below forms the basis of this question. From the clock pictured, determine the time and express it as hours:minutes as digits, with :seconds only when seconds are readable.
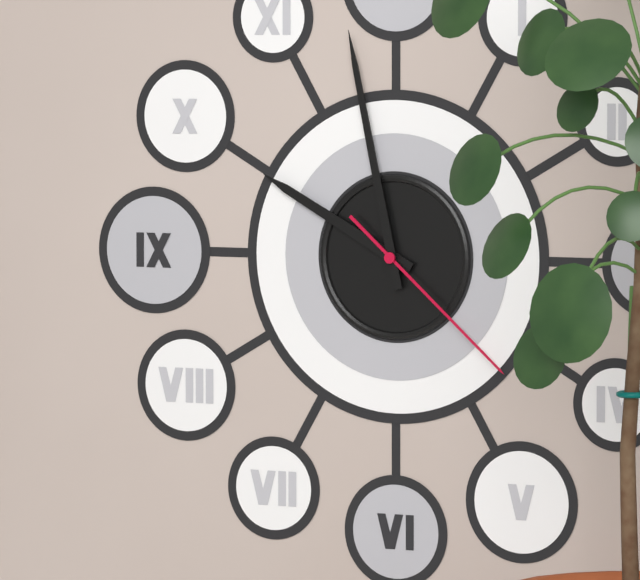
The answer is 9:58:22
